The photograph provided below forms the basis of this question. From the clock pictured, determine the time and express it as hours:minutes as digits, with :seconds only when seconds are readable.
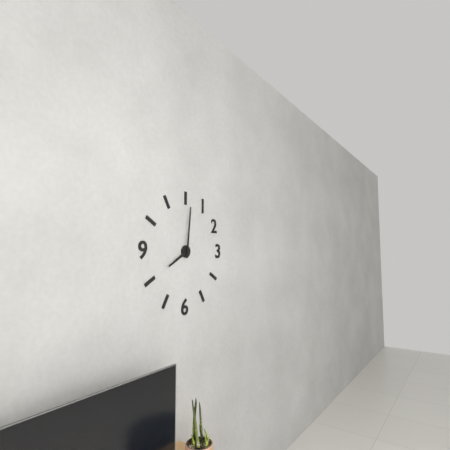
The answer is 8:01
